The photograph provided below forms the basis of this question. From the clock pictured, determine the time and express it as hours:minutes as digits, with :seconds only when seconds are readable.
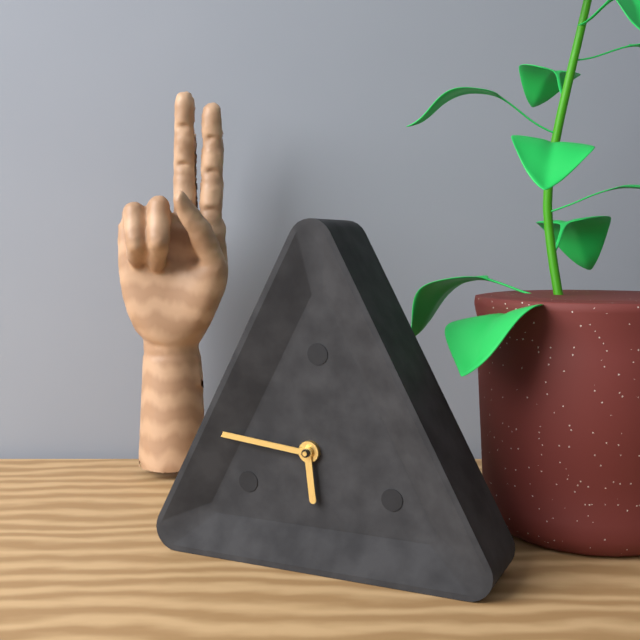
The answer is 5:46
